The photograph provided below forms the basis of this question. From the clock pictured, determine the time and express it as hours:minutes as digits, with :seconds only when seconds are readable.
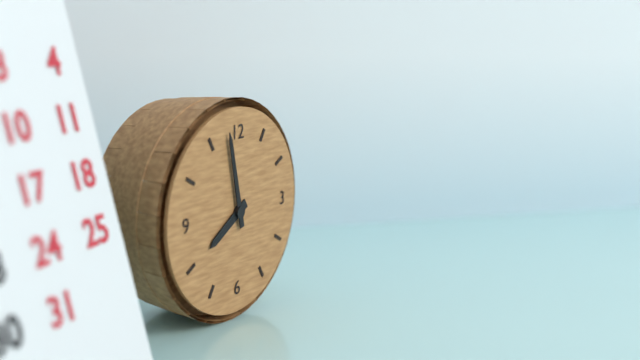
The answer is 7:58
